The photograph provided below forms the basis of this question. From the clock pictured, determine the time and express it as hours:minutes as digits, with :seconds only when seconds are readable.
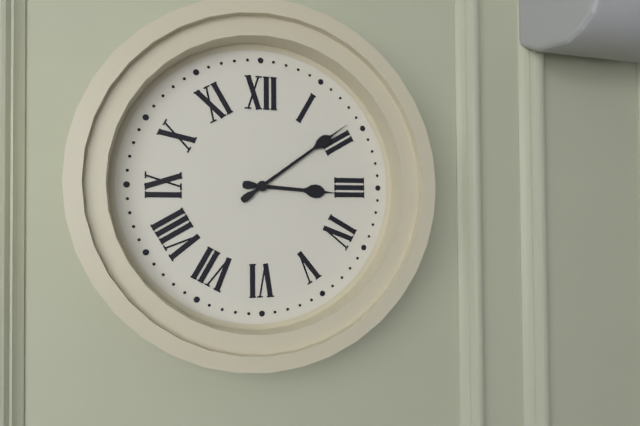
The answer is 3:09
